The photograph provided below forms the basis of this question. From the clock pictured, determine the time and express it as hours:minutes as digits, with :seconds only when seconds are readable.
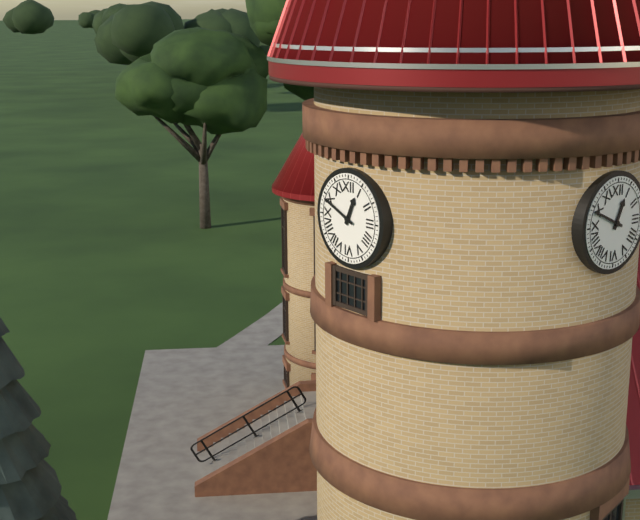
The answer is 12:49
